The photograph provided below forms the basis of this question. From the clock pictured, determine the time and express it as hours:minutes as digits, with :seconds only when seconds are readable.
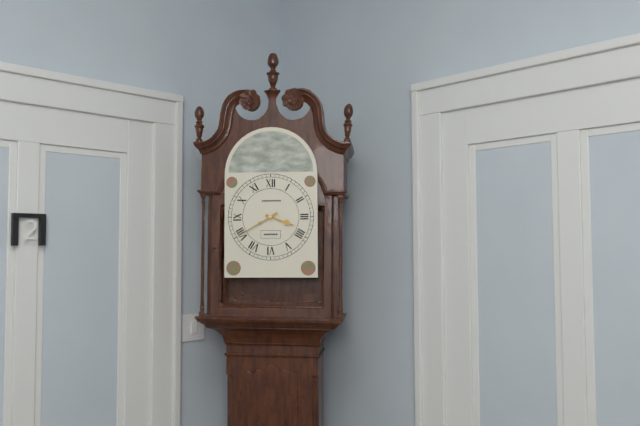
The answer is 3:40
